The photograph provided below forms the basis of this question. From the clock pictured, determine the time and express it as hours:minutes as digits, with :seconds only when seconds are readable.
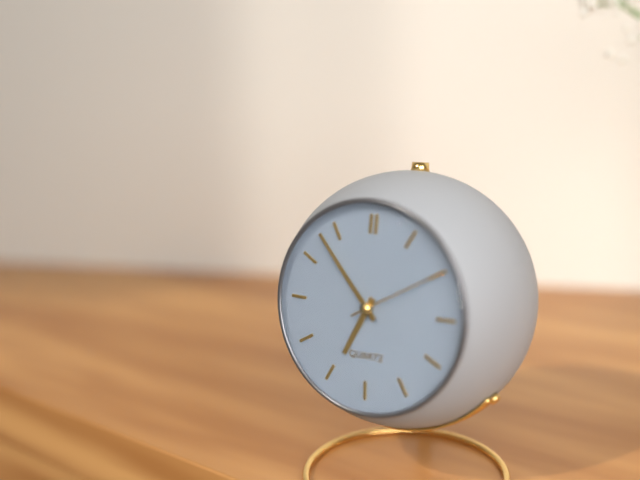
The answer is 6:53
